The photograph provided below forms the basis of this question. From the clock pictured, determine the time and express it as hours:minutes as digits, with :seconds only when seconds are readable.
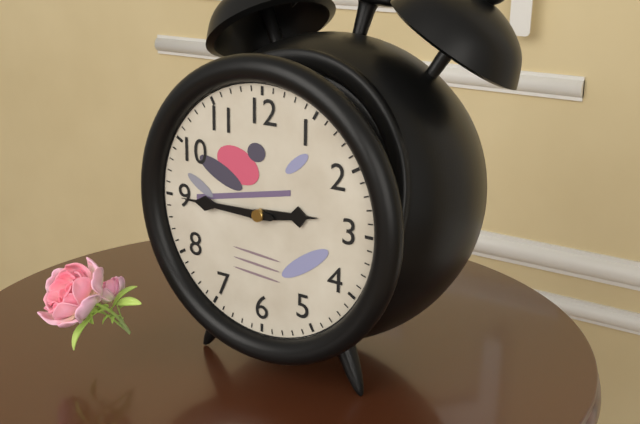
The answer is 2:45
